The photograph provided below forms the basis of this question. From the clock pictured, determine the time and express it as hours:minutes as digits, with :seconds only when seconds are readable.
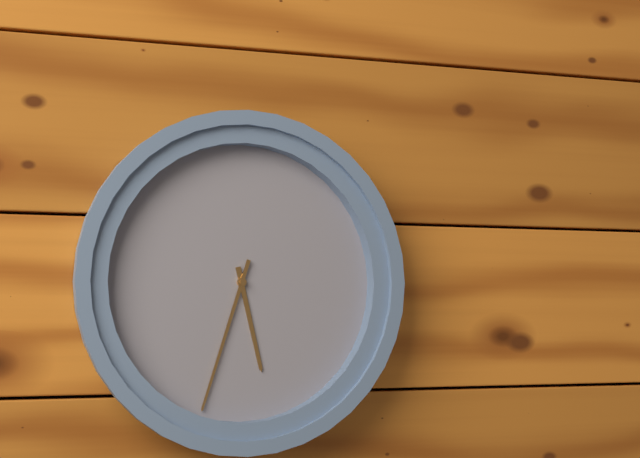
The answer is 5:33
